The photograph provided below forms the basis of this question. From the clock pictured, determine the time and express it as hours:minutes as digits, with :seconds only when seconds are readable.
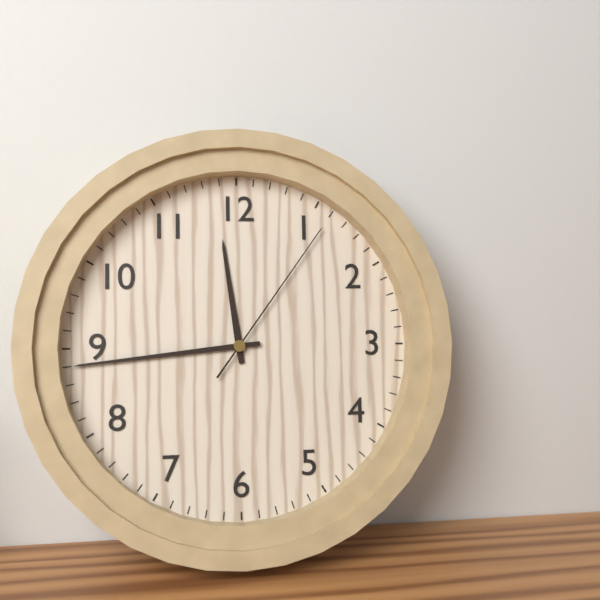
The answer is 11:44:06
